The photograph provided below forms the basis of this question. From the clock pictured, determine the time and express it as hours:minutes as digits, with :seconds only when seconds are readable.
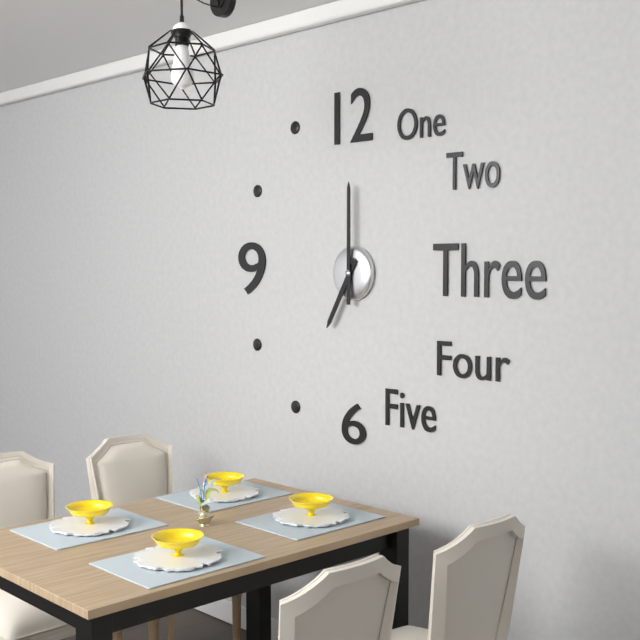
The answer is 7:00
